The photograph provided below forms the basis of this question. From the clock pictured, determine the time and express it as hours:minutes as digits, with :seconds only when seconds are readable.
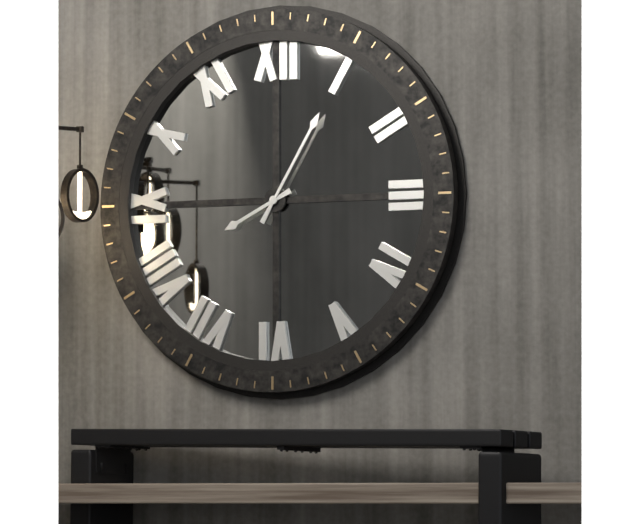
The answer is 8:05
